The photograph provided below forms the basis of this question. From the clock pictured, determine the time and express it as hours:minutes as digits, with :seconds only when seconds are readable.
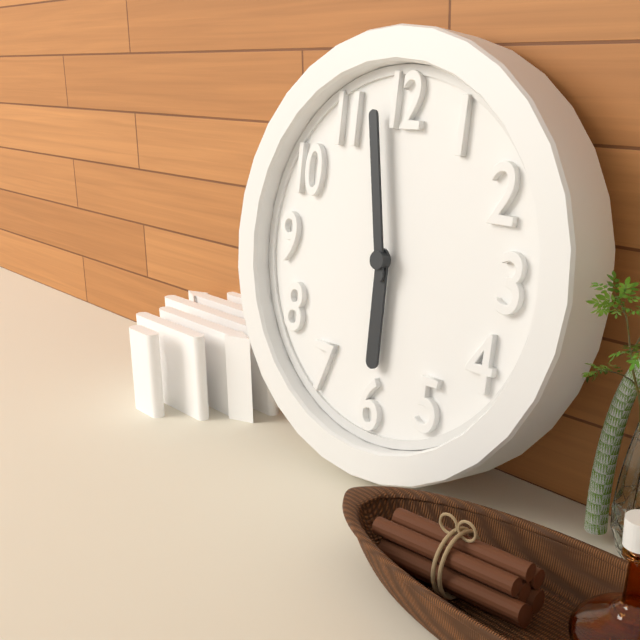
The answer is 5:58
